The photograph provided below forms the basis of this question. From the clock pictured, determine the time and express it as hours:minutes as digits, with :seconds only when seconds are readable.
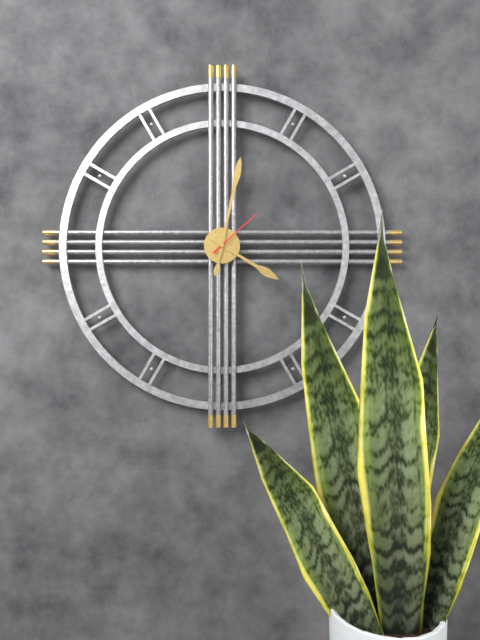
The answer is 4:02:08
